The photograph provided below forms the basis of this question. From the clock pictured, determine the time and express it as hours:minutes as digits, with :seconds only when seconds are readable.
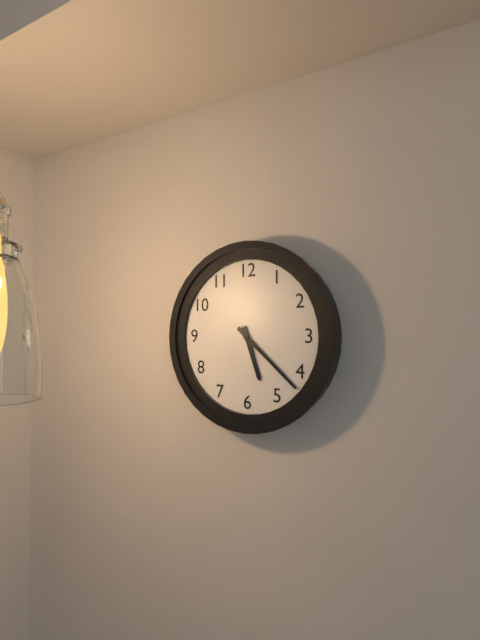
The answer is 5:22
